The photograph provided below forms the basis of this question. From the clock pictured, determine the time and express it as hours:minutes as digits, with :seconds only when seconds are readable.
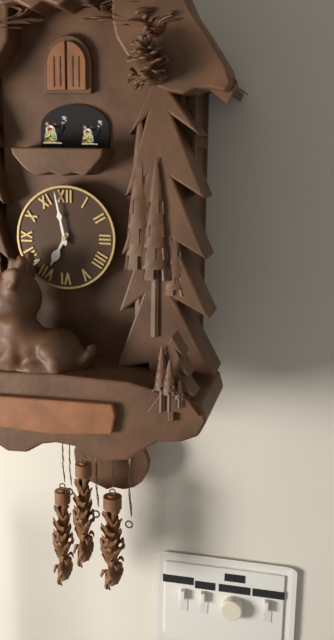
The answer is 6:58
